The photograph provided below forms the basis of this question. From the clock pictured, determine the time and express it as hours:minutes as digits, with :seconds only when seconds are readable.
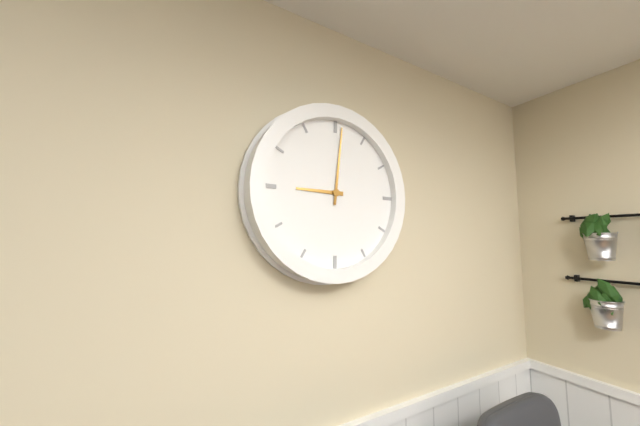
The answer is 9:01
